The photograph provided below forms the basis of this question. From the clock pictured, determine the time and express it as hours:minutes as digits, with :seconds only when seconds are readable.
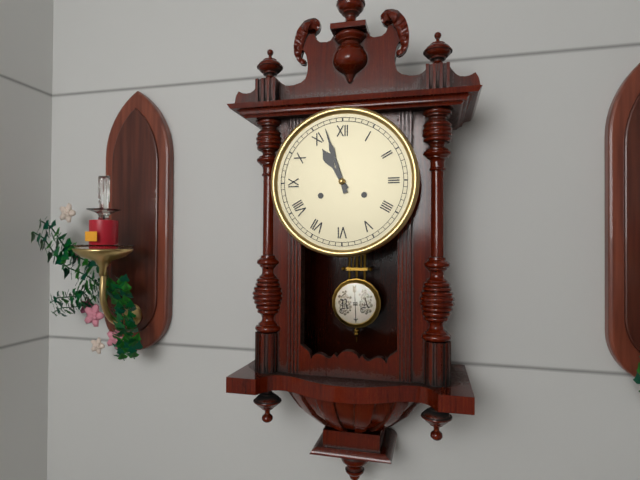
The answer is 10:57
